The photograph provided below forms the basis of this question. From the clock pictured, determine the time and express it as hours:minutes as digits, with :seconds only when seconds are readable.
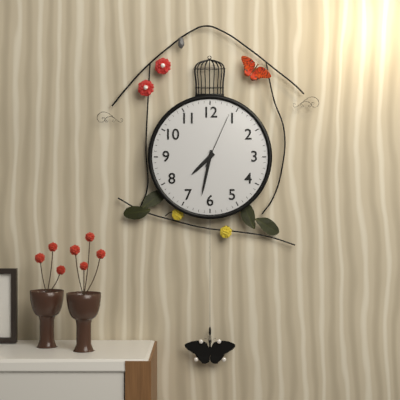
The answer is 7:32:04
